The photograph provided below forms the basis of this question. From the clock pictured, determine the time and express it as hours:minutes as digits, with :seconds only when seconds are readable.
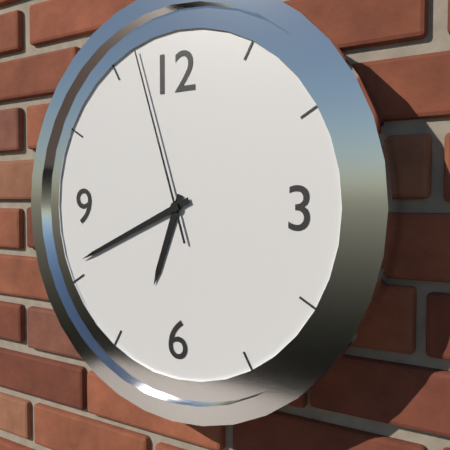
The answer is 6:41:57
